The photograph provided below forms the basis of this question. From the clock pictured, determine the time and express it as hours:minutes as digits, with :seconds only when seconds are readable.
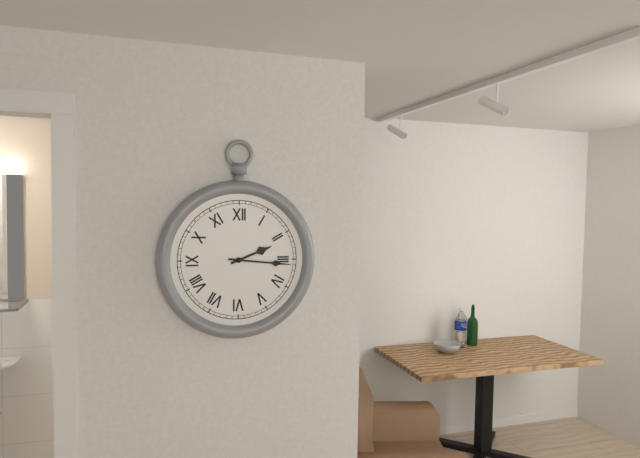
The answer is 2:16
